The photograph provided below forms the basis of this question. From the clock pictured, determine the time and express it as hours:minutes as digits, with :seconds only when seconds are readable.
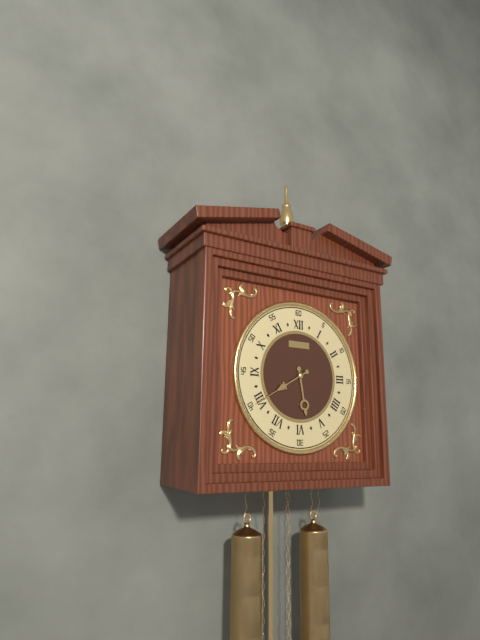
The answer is 5:40
